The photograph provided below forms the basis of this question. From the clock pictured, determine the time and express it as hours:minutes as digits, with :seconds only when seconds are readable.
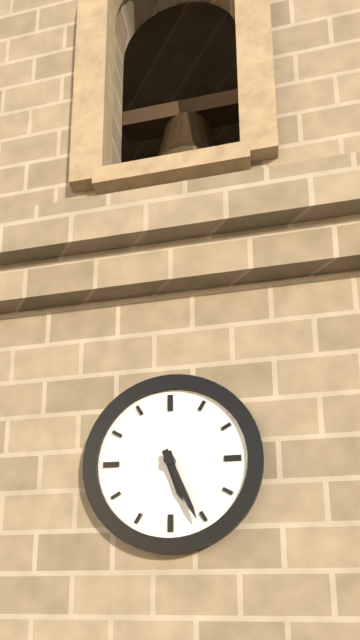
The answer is 5:26
